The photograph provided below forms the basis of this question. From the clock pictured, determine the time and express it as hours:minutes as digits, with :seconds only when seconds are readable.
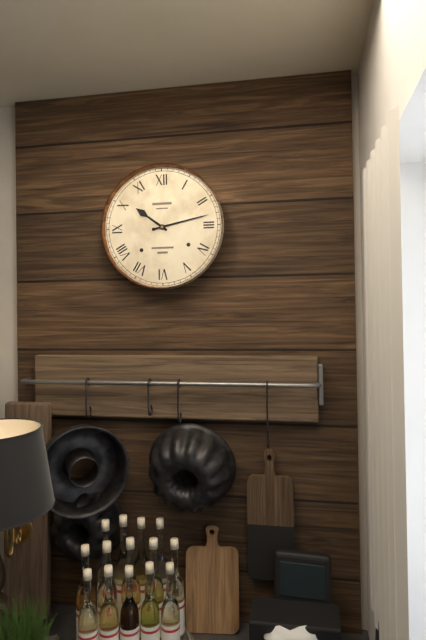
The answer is 10:13
